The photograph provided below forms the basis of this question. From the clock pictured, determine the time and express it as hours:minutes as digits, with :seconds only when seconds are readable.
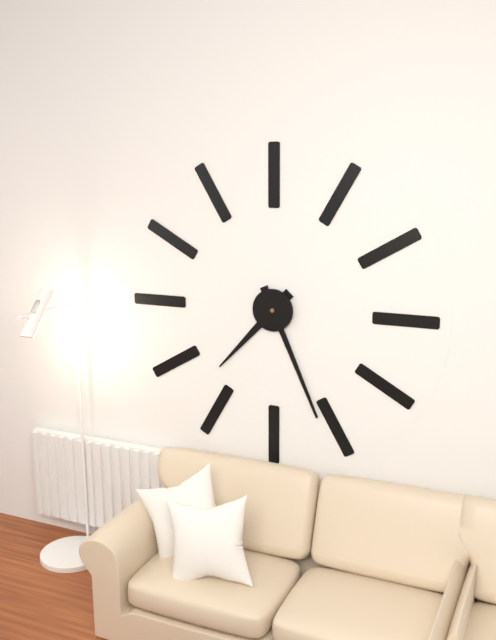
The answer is 7:26
